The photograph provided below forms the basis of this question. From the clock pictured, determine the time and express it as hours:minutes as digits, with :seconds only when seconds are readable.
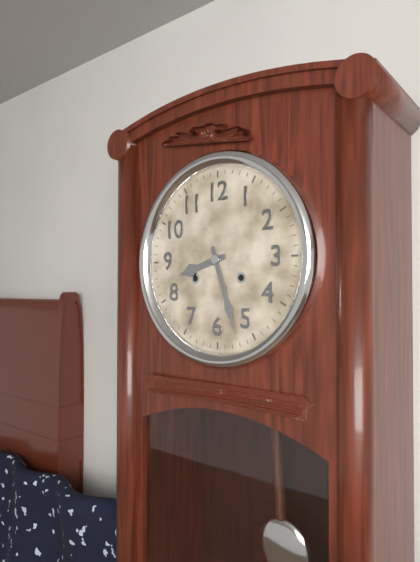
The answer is 8:27
